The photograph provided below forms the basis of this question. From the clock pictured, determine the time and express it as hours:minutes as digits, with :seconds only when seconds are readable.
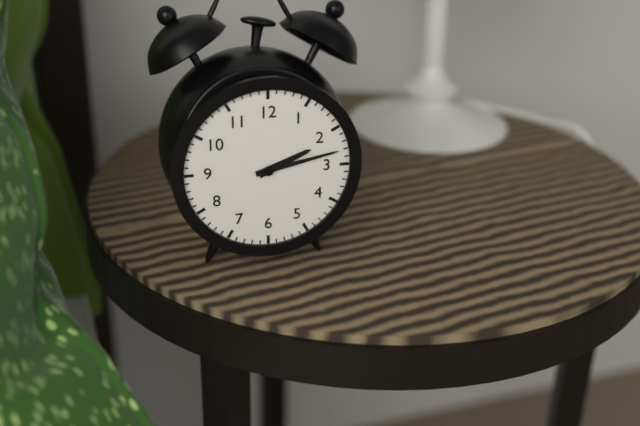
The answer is 2:13
